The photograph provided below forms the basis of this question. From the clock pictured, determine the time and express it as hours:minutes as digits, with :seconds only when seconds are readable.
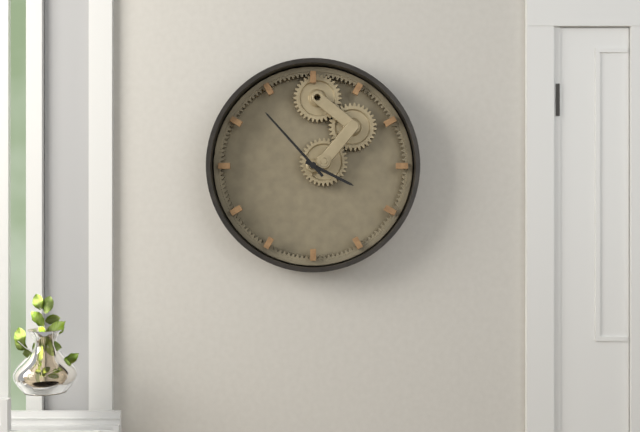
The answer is 3:53
